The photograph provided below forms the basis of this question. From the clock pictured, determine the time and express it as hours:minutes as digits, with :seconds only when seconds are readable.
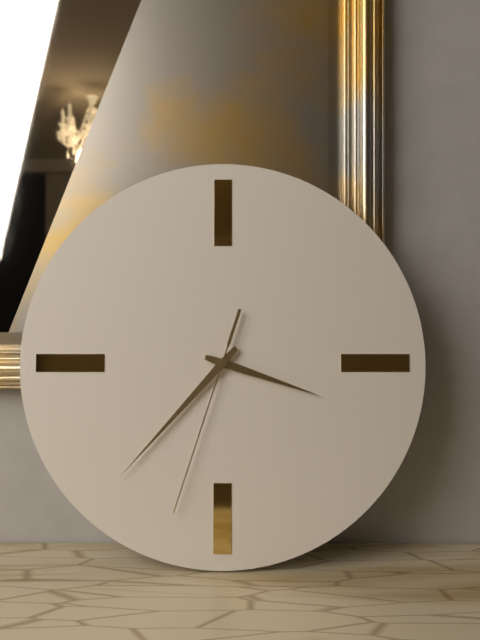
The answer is 3:37:33
